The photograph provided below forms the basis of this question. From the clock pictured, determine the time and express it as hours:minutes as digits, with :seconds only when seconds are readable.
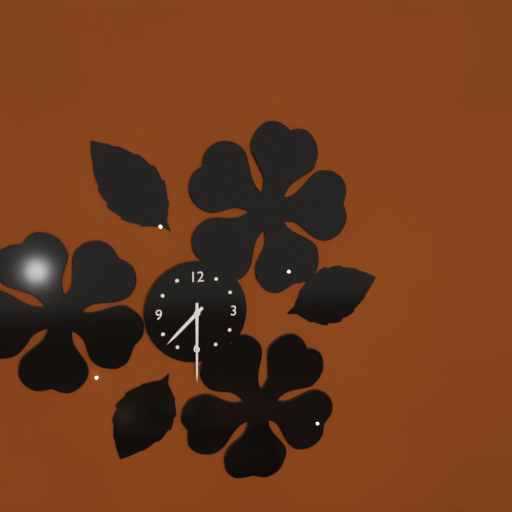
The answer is 7:30
